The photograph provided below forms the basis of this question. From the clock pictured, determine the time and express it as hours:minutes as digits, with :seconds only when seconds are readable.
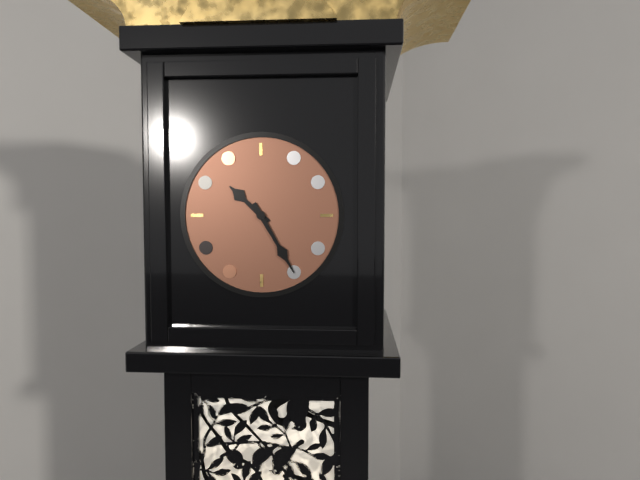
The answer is 10:25
